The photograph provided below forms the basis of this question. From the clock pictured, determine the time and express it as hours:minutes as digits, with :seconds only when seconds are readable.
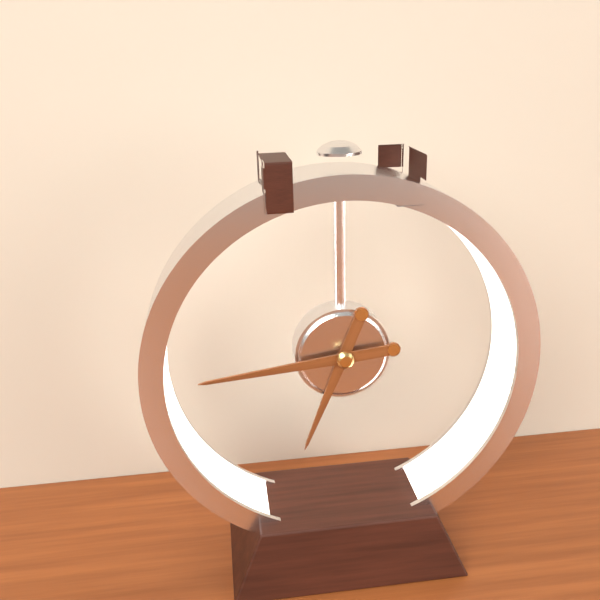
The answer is 6:44
